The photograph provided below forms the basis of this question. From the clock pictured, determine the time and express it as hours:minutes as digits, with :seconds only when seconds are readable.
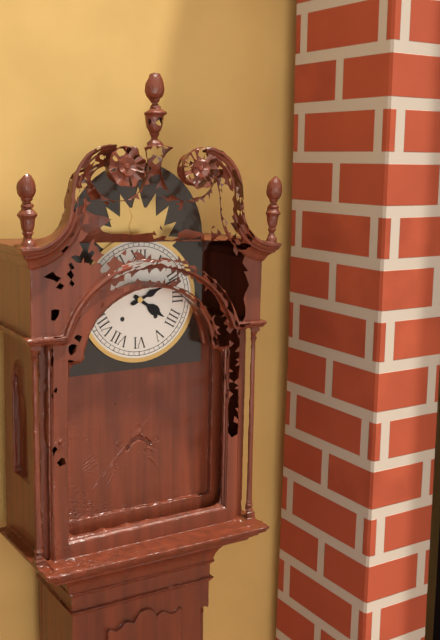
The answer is 4:11
